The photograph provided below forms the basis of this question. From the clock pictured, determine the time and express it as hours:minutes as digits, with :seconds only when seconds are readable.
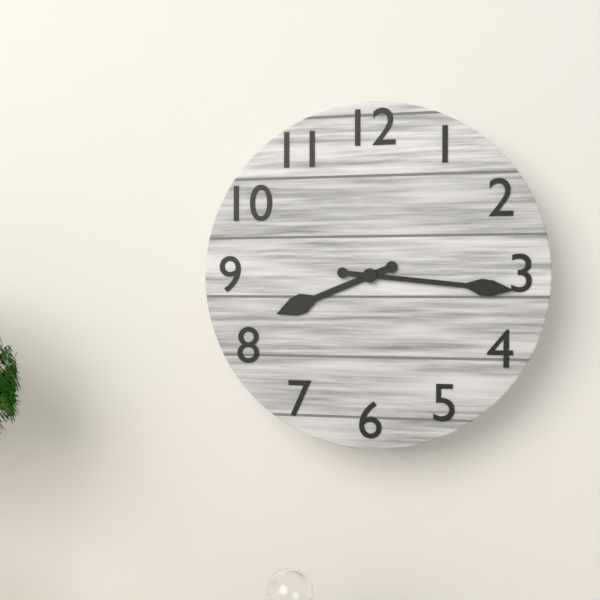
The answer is 8:16
